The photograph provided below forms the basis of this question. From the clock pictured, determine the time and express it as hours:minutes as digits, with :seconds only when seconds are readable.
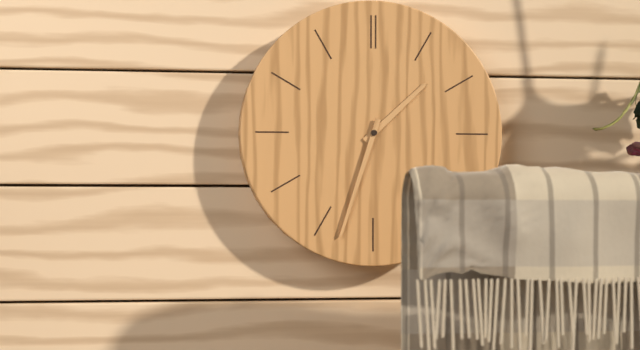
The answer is 1:33
